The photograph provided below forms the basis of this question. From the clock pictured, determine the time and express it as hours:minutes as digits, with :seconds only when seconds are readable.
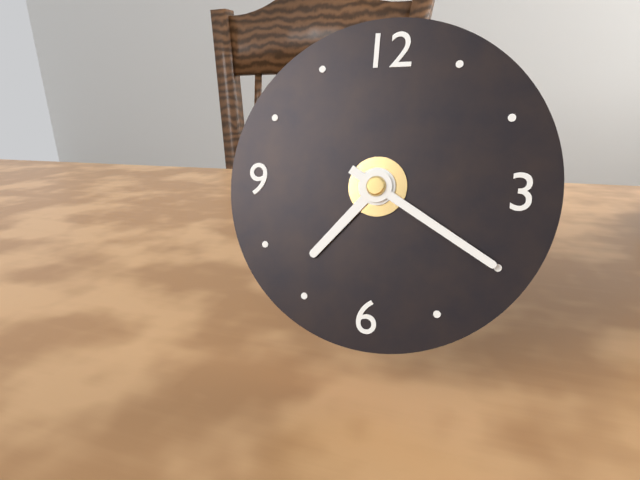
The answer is 7:20
